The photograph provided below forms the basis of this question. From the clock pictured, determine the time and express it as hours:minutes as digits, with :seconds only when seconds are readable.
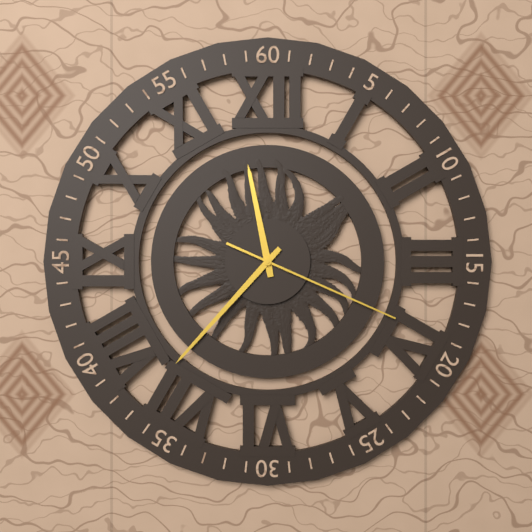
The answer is 11:37:19
